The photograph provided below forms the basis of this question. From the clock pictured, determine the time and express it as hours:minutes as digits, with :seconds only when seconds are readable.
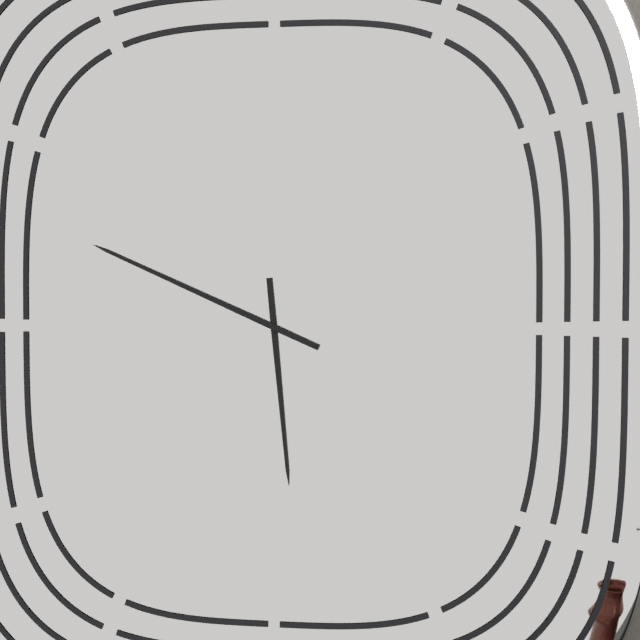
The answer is 5:49
